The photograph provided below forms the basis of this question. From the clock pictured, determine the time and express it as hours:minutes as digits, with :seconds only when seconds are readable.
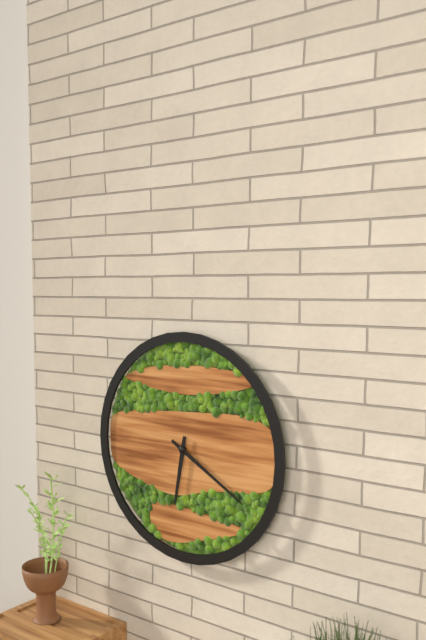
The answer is 6:20
